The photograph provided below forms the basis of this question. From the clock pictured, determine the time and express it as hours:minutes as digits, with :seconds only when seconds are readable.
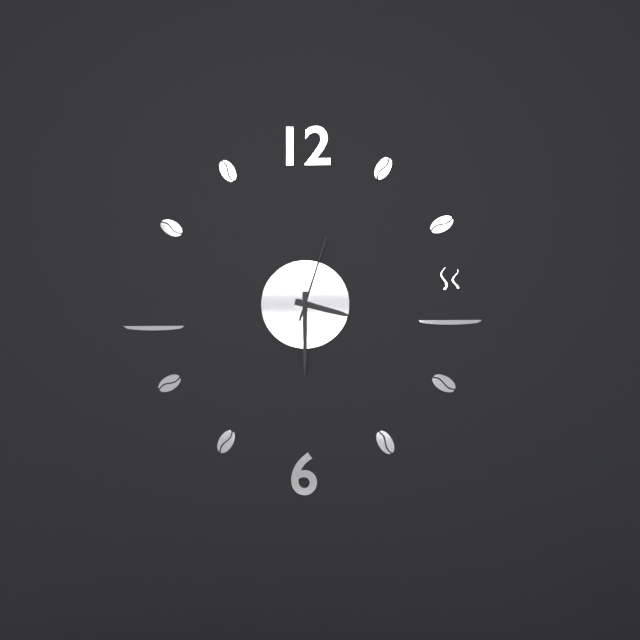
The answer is 3:30:03
